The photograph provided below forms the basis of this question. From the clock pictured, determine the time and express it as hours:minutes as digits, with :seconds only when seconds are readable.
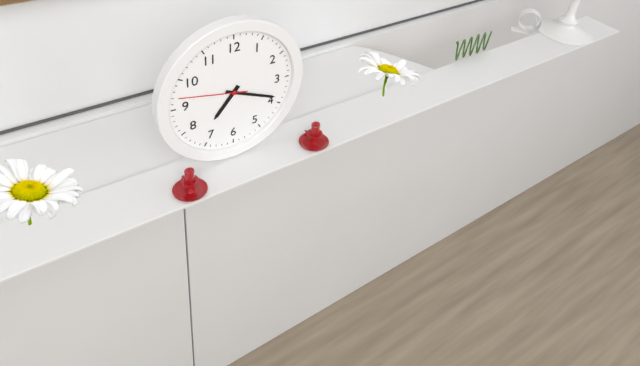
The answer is 7:19:47
